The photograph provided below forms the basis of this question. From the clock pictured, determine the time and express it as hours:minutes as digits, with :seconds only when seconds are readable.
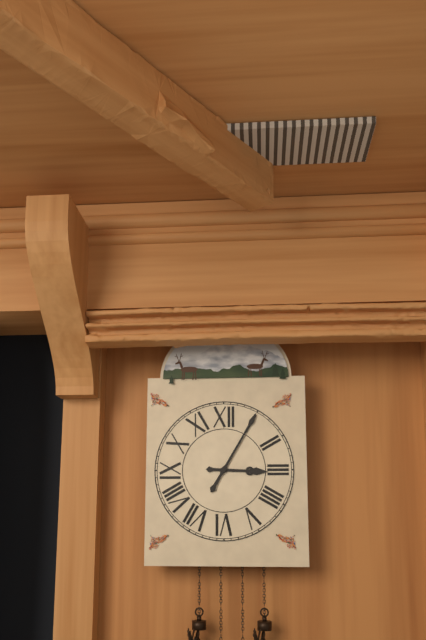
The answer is 3:05
